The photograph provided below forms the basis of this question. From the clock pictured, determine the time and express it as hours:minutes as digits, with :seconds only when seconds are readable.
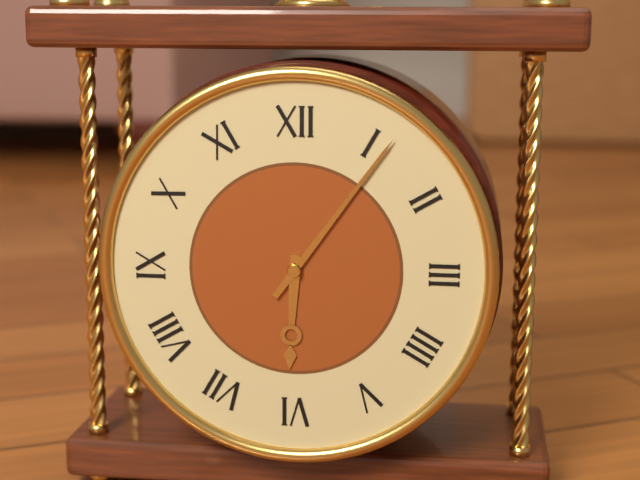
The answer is 6:06
